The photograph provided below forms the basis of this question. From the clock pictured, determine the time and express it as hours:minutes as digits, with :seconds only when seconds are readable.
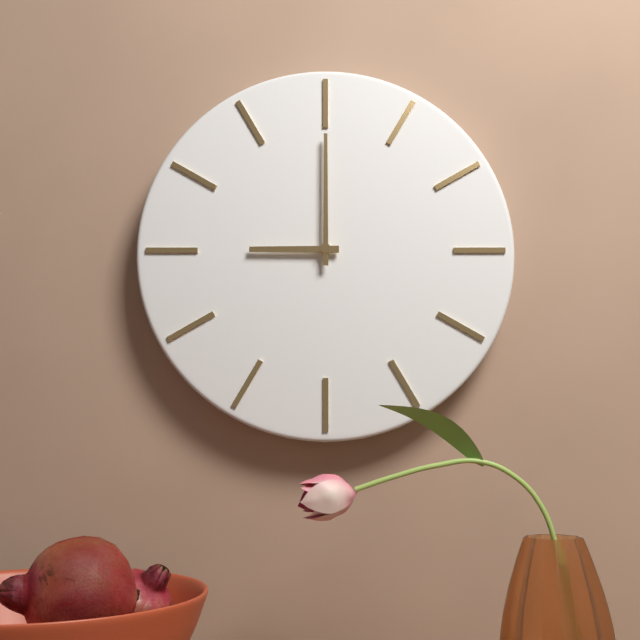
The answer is 9:00
